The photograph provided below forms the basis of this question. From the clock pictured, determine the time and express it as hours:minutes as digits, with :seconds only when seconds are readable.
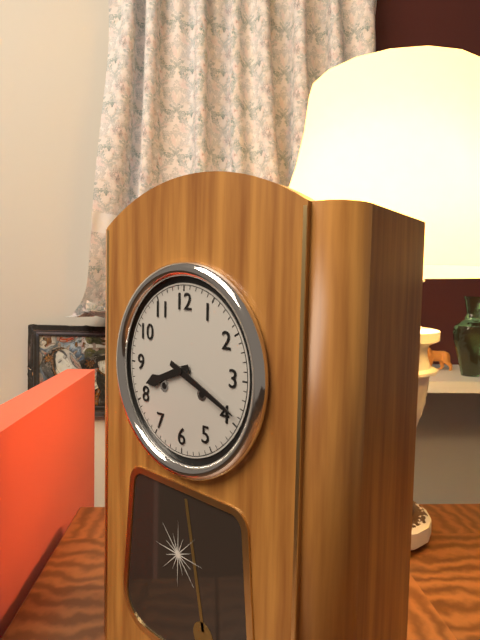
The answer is 8:19
